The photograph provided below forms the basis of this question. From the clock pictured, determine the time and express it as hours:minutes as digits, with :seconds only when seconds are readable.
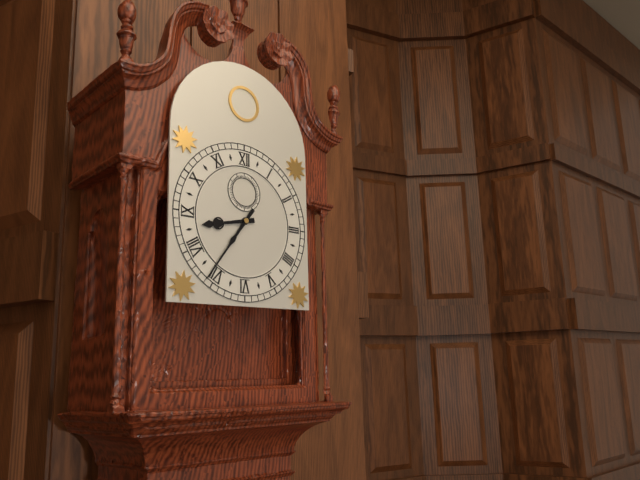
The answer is 8:36
